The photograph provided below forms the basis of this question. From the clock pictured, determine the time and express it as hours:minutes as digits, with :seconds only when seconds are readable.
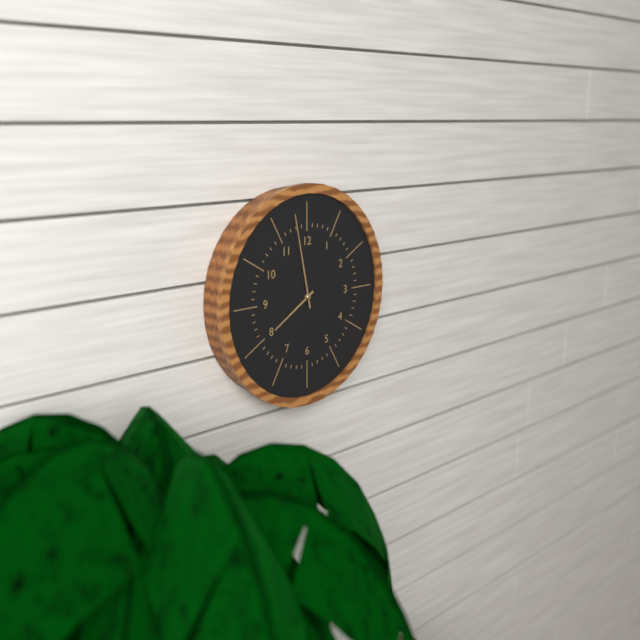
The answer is 7:58
